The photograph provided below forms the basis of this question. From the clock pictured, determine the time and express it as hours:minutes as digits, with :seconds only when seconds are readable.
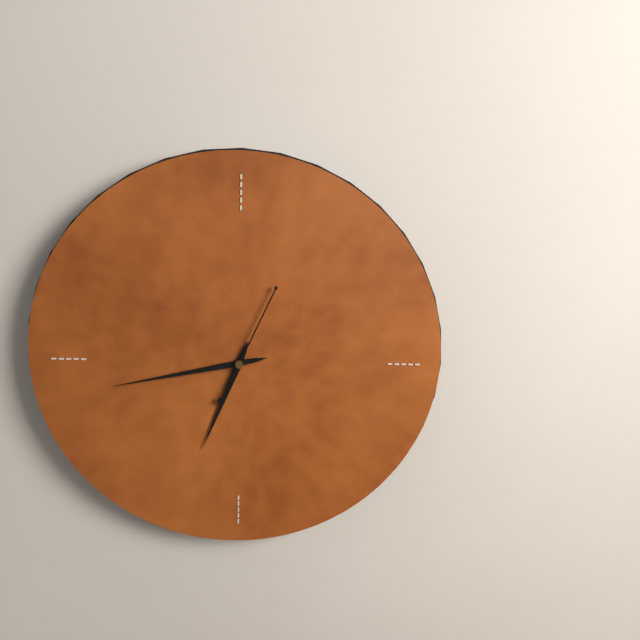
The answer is 6:43:04
